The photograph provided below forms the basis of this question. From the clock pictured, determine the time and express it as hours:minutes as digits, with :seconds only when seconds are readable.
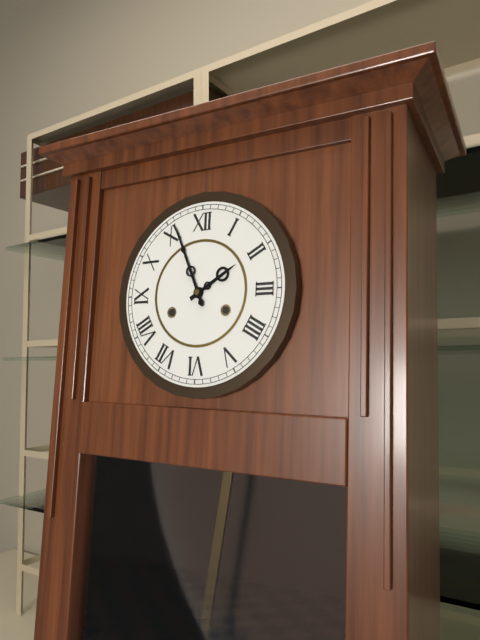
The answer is 1:56
